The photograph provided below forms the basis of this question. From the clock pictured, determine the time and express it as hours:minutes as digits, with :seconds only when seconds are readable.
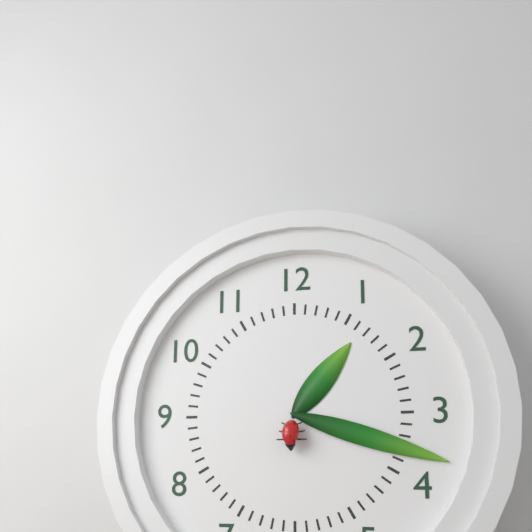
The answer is 1:18
